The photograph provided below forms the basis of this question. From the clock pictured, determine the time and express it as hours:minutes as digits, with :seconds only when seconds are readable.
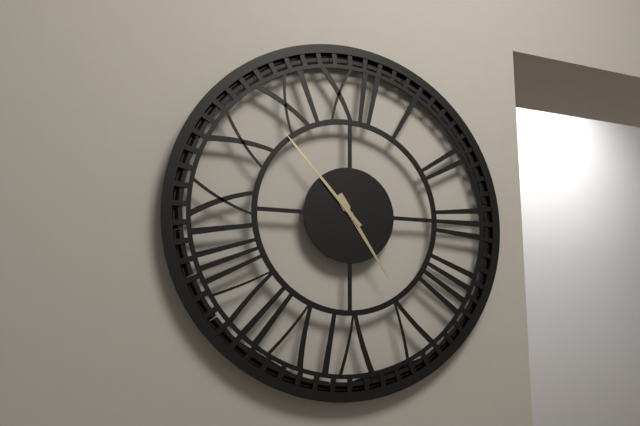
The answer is 4:53
